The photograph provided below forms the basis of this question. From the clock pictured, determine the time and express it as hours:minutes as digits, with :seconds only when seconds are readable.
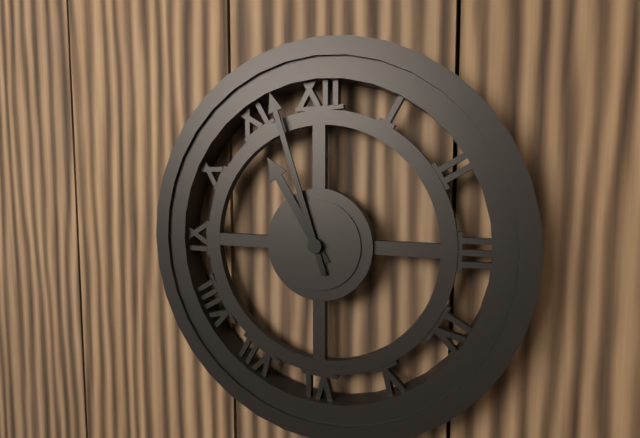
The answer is 10:57
